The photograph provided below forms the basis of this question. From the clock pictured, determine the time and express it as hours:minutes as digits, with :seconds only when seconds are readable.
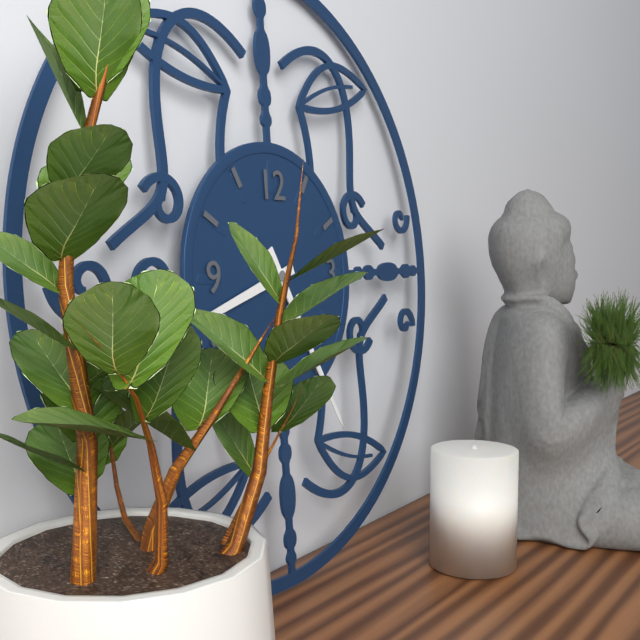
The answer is 8:25
